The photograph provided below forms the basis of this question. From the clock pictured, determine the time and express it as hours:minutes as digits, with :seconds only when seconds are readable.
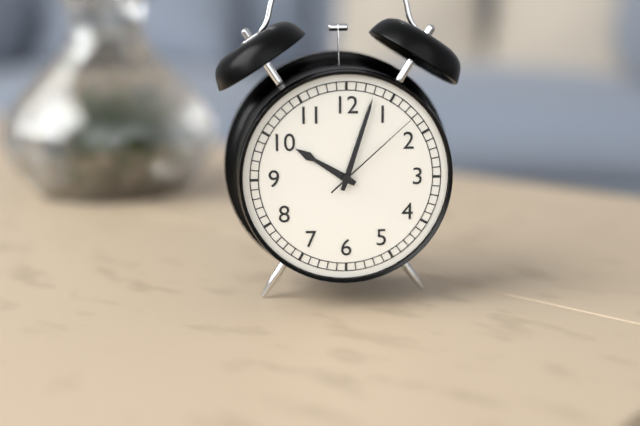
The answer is 10:03:08
